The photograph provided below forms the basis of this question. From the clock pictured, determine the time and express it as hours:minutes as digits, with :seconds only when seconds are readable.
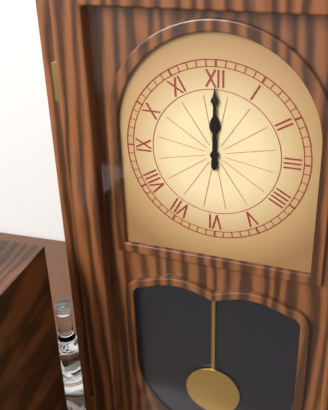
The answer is 12:00
